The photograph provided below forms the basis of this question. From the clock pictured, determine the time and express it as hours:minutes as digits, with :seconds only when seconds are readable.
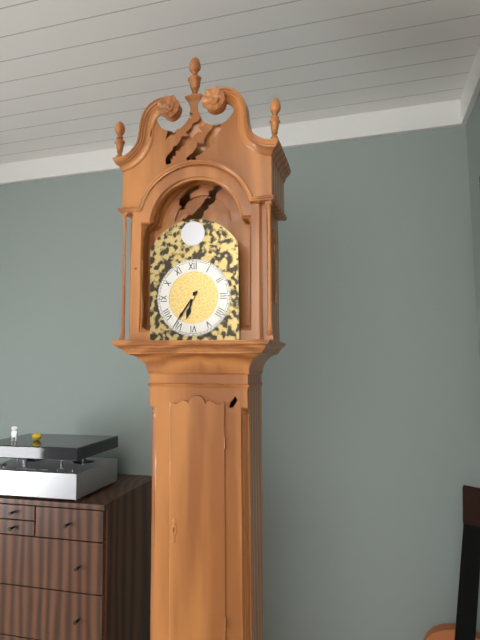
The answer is 6:36
